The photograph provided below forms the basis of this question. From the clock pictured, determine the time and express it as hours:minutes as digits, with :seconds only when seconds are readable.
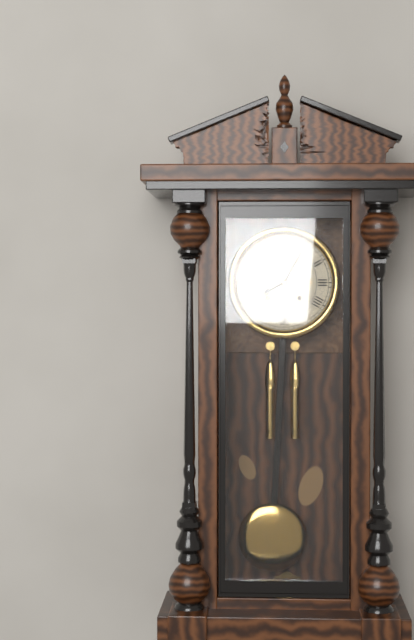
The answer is 8:05
